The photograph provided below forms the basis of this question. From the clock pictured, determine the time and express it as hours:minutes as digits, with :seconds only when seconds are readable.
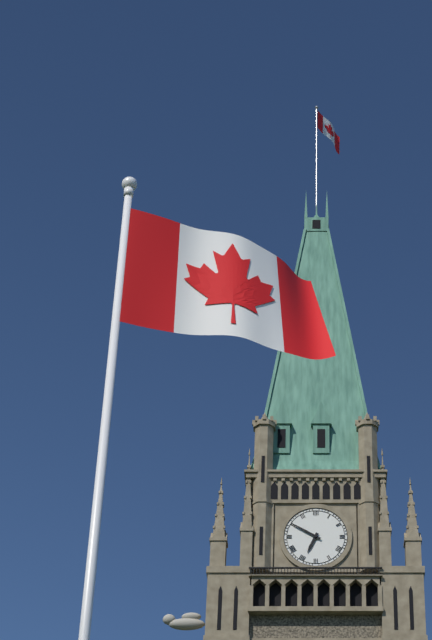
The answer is 6:50
